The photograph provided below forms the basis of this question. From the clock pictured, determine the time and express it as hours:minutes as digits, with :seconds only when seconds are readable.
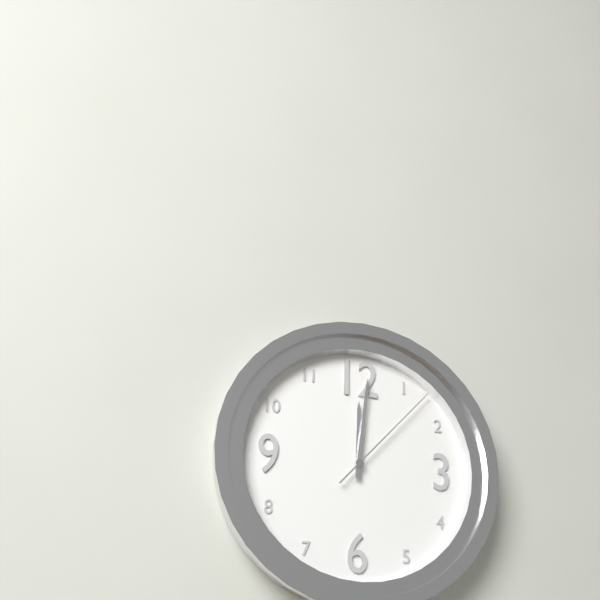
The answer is 12:01:07
